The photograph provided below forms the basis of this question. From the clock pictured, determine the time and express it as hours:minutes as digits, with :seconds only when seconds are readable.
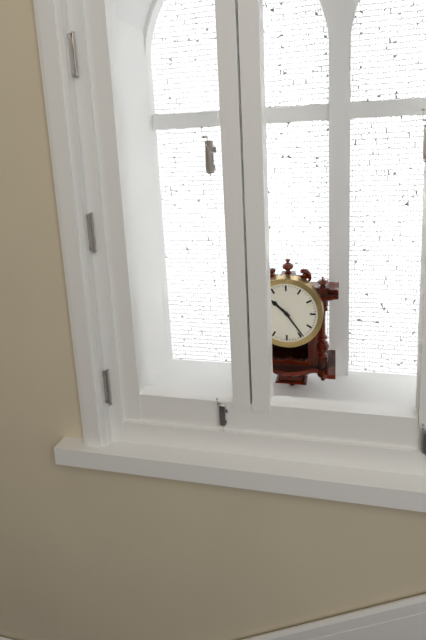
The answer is 10:24
